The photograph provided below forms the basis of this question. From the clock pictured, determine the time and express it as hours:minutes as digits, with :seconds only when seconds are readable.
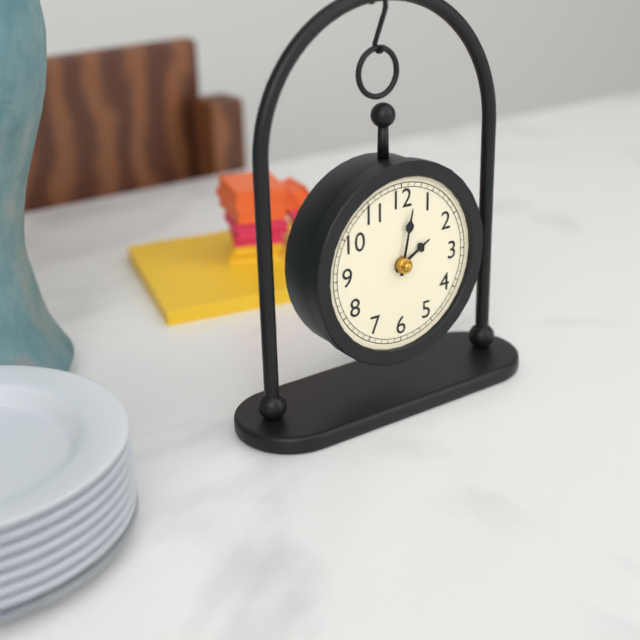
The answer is 2:02
